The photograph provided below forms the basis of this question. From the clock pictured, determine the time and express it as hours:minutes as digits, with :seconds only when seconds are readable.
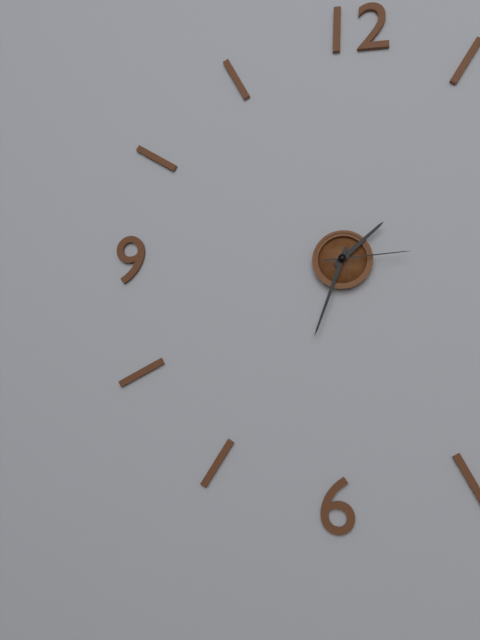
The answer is 1:33:14
